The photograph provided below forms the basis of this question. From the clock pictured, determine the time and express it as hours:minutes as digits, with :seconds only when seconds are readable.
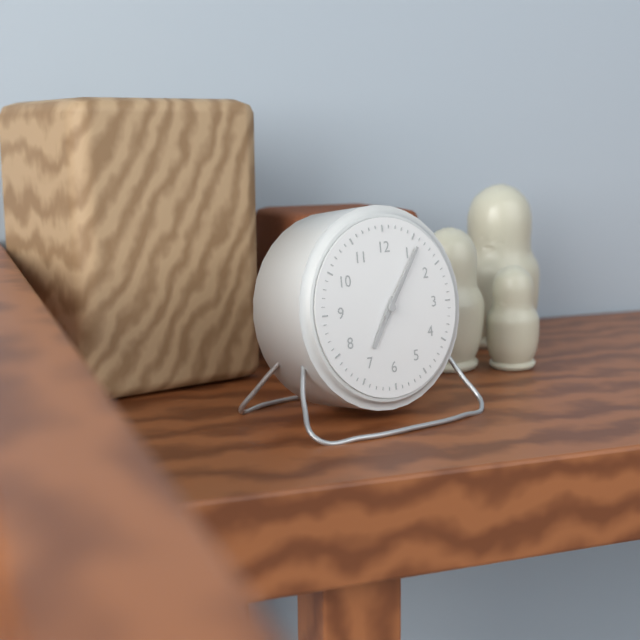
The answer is 7:06:06
